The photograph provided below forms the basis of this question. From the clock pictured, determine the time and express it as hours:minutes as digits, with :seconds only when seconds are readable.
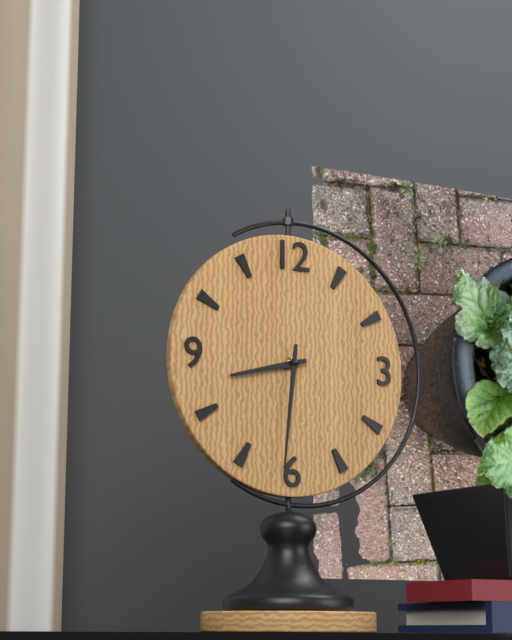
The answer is 8:31
